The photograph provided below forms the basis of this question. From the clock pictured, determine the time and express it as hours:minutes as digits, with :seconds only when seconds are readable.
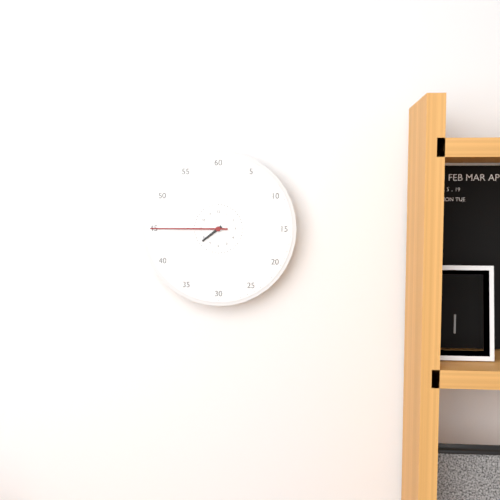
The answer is 7:45
